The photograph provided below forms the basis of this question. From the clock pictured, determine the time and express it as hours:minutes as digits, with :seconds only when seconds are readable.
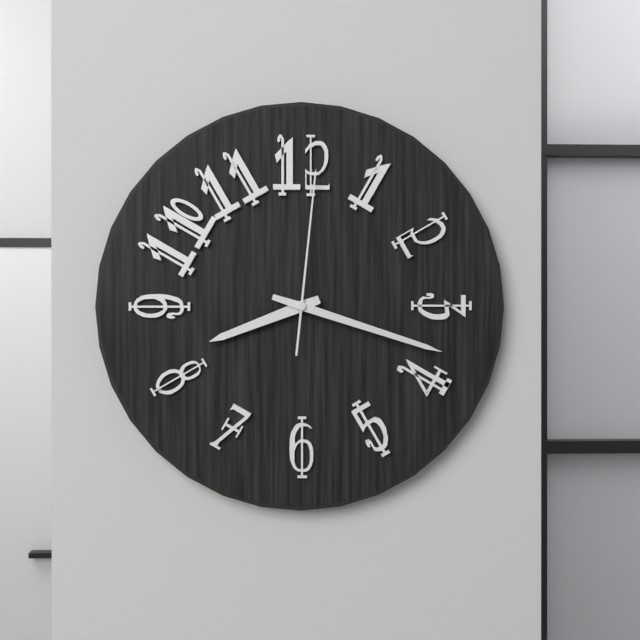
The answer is 8:18:01
